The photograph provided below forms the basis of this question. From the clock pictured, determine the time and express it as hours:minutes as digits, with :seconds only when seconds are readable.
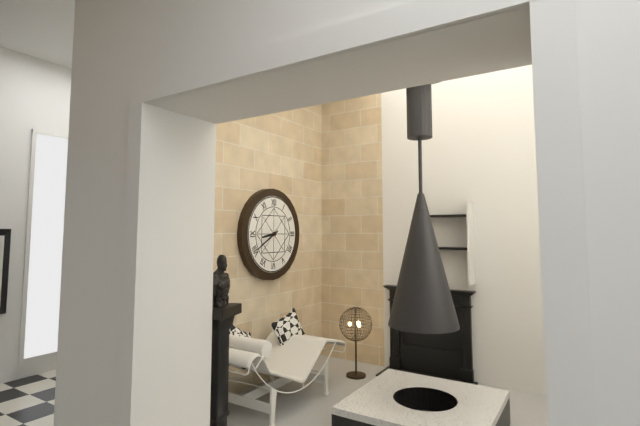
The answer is 8:40
